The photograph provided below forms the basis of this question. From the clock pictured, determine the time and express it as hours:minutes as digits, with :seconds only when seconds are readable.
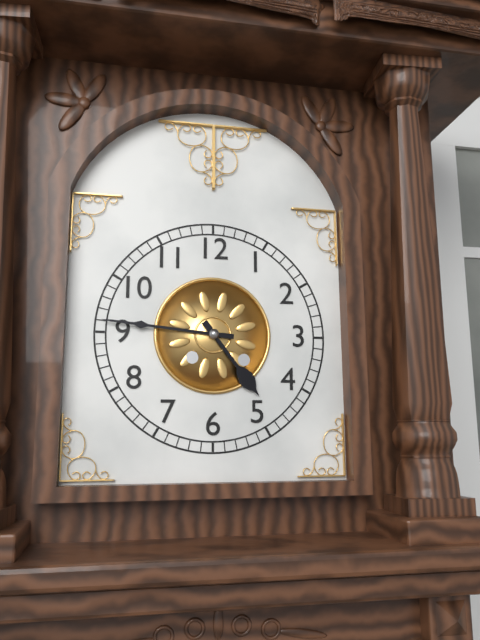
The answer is 4:46
